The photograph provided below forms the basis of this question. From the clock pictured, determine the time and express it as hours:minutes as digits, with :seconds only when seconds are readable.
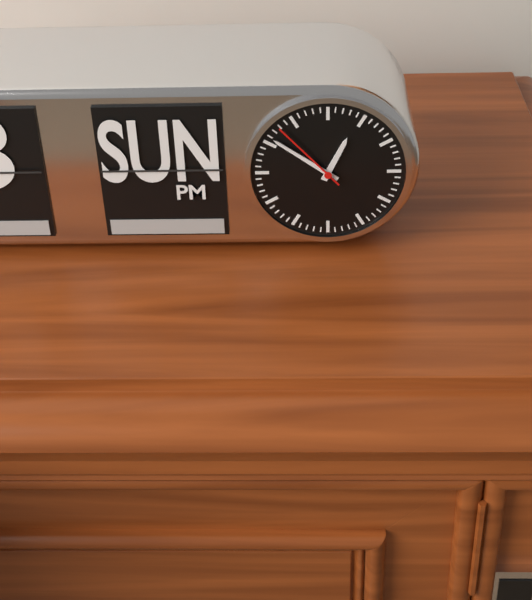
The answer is 12:51:53
